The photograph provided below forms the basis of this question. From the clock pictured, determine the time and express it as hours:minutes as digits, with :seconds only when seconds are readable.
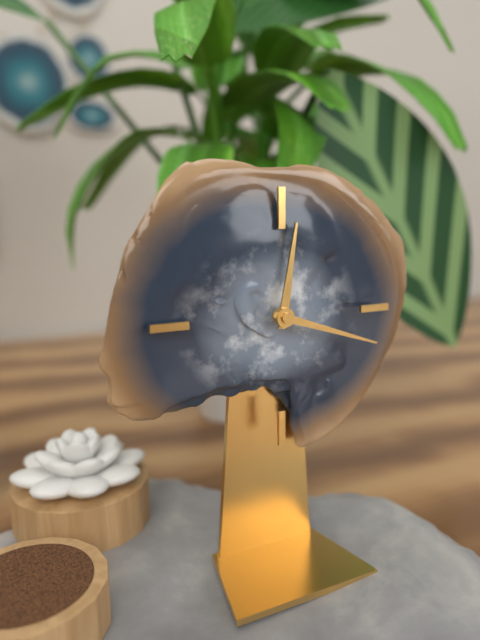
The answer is 12:18
